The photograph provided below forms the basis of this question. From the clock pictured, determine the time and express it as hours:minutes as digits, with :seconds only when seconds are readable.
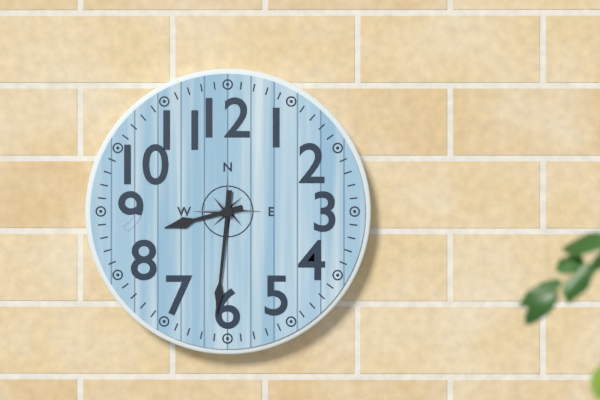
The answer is 8:31
